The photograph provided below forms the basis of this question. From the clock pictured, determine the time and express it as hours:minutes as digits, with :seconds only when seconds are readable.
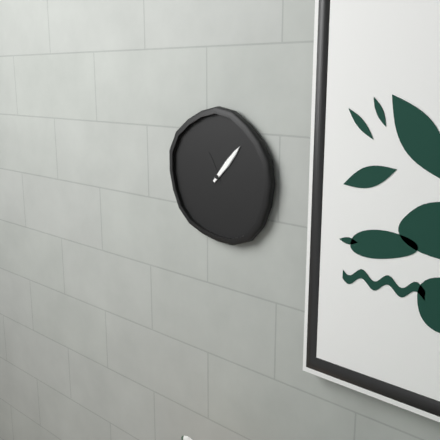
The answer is 11:07
